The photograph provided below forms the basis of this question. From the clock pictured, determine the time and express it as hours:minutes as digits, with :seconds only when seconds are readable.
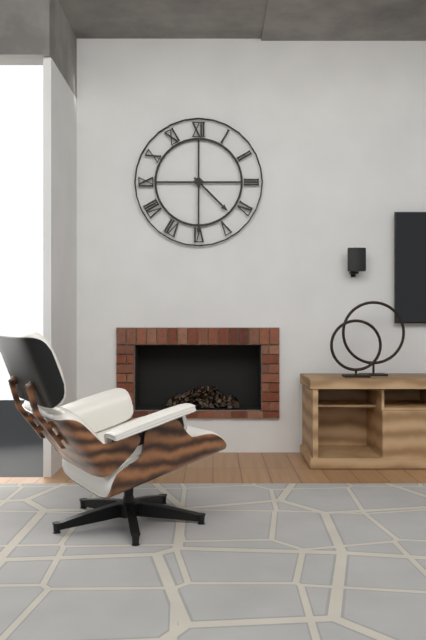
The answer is 4:30
